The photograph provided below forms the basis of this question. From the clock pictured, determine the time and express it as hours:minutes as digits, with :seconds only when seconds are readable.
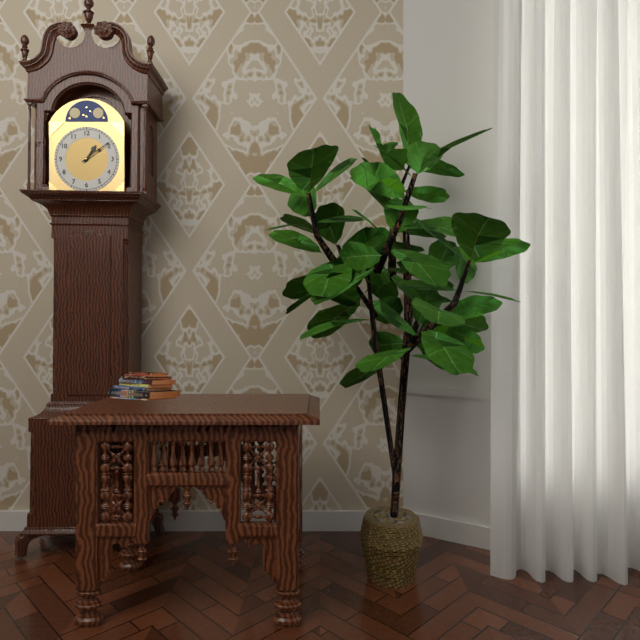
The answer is 1:09
